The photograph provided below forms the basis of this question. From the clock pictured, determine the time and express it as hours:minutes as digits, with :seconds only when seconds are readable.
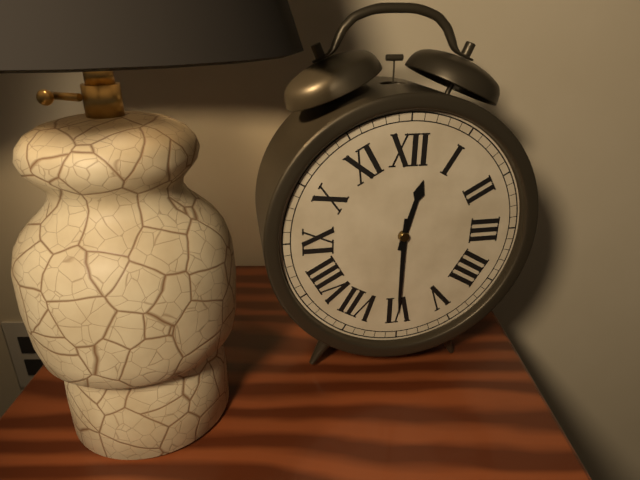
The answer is 12:30
